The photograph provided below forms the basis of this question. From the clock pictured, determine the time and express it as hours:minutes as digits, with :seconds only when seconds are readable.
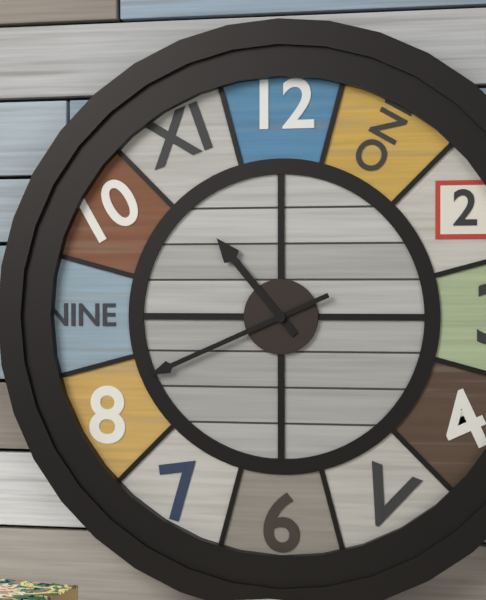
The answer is 10:41
